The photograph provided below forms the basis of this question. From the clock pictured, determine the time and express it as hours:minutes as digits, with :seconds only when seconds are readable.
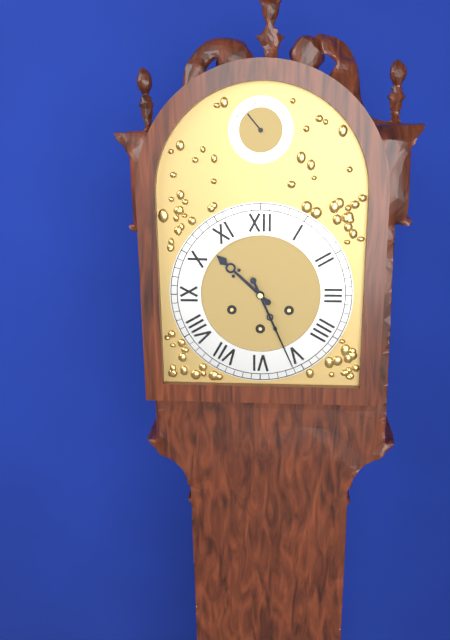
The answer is 10:26
